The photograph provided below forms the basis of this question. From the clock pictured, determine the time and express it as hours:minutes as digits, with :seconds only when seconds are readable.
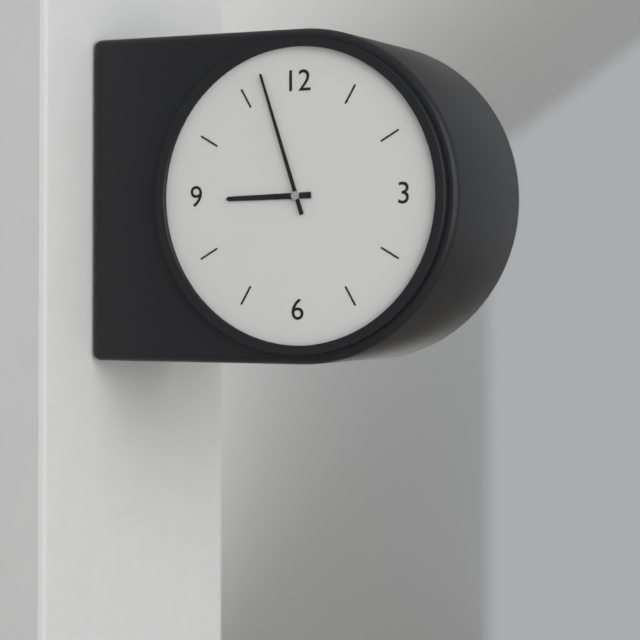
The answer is 8:57
